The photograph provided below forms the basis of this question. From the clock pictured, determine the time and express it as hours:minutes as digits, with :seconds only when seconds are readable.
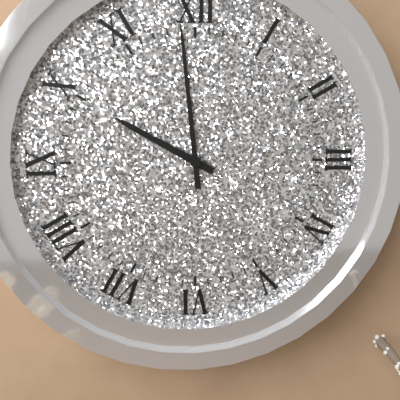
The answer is 9:59
